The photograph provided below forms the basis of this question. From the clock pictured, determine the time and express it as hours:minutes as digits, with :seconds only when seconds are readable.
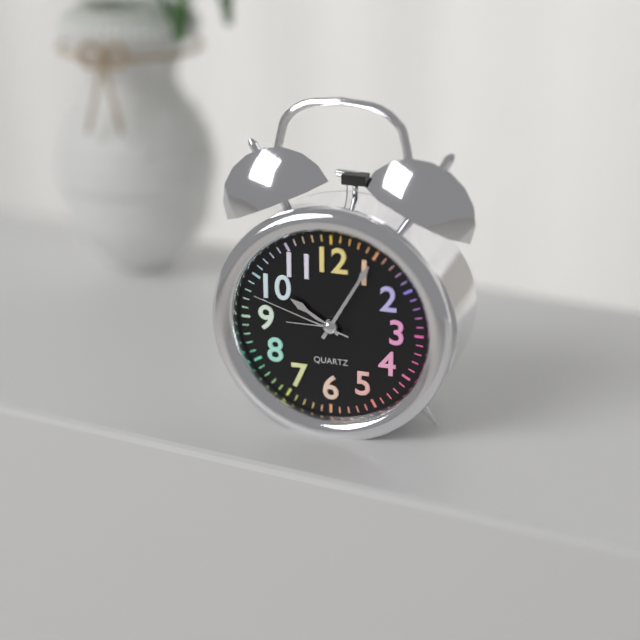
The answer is 10:05:48
